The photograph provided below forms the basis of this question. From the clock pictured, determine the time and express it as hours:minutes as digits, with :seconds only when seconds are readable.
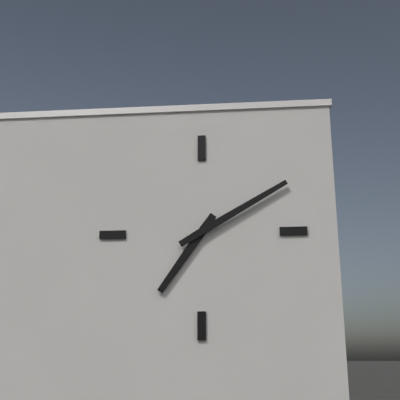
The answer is 7:10
